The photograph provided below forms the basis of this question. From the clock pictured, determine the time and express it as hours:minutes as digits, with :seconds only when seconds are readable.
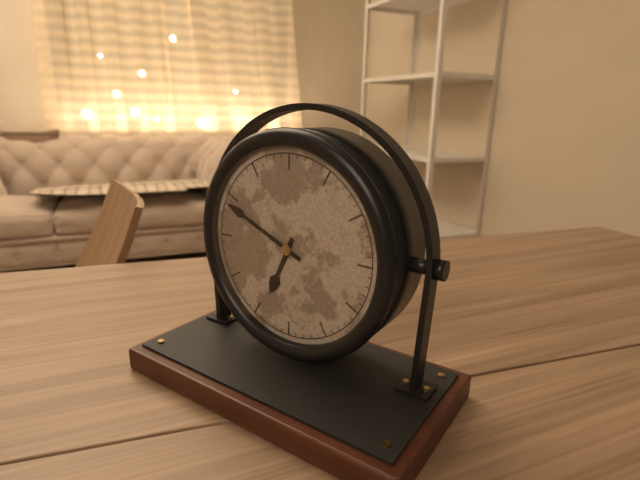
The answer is 6:49
